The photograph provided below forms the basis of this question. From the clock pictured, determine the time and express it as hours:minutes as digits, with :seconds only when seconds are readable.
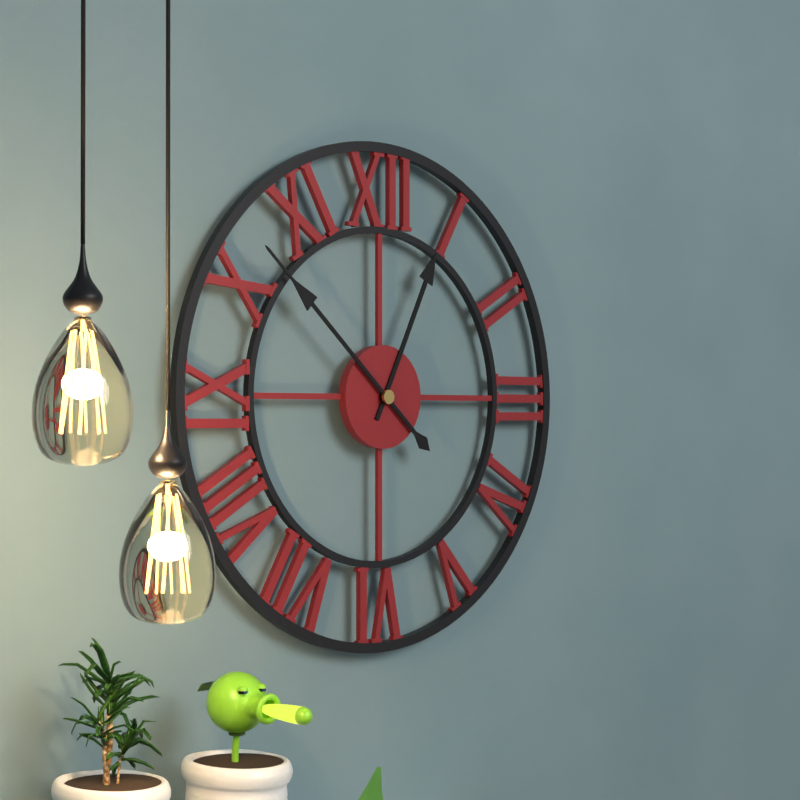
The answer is 12:52
